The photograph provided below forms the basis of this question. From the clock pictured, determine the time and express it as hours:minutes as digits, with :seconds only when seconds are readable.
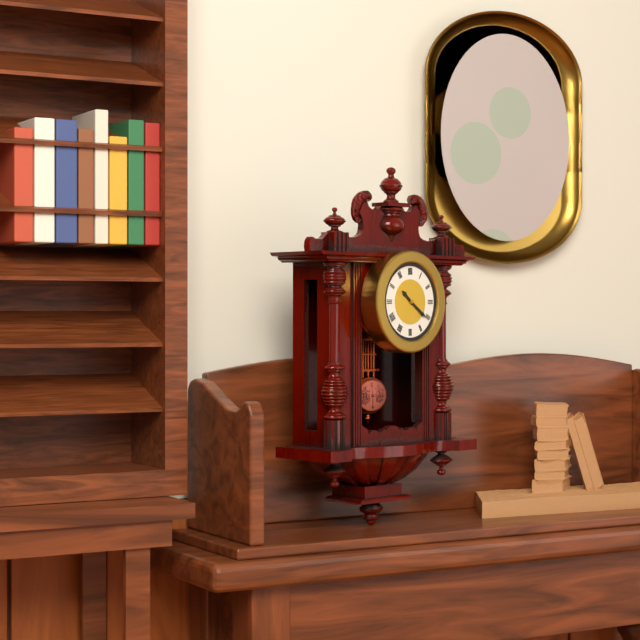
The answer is 10:21
